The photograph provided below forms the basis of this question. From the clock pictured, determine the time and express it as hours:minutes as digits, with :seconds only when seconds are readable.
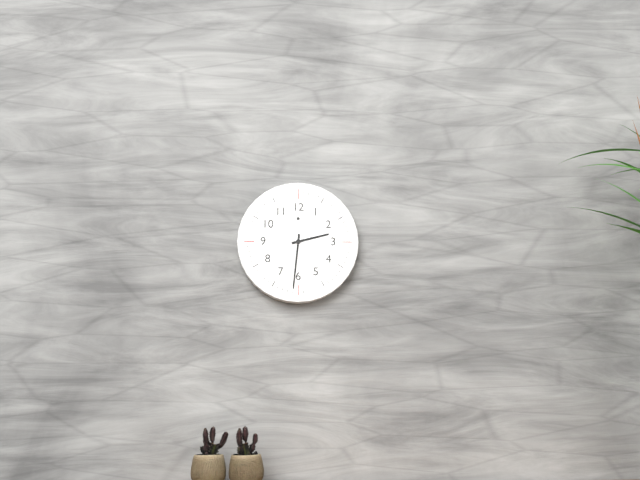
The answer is 2:31
